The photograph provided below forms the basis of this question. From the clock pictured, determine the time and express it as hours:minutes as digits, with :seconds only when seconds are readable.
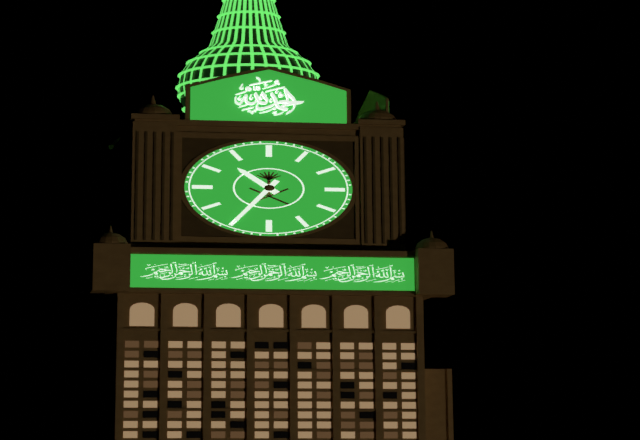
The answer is 10:35
